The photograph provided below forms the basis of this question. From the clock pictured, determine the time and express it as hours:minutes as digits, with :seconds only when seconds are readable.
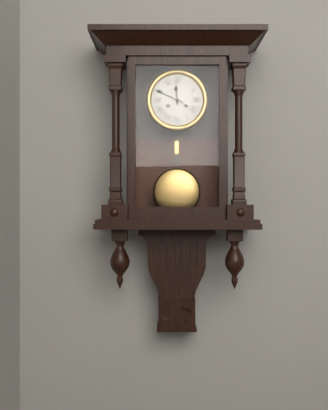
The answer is 11:49
